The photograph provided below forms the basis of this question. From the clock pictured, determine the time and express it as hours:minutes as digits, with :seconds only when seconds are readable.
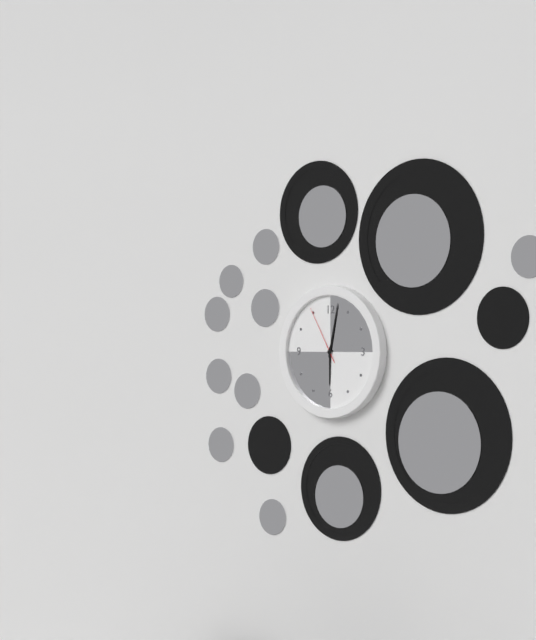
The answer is 6:02:55
